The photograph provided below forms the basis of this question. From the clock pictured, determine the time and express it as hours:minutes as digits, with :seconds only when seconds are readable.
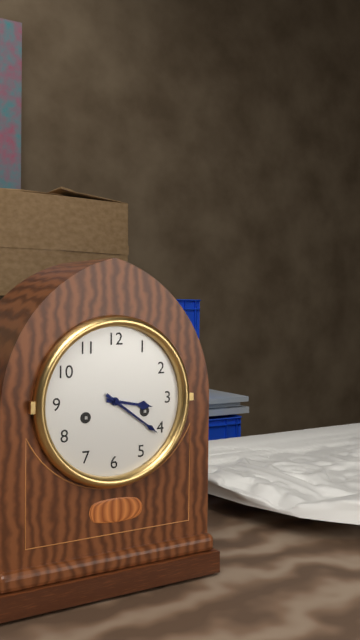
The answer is 3:21
